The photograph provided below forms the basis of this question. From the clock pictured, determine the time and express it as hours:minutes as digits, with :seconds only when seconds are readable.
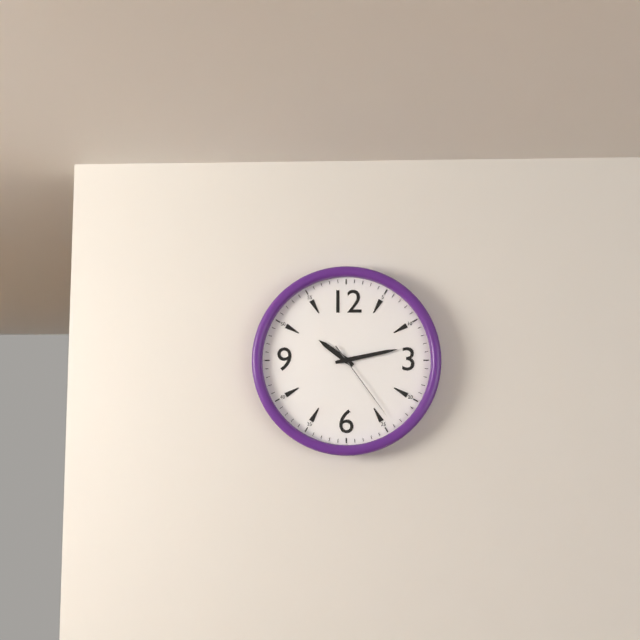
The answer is 10:13:24
